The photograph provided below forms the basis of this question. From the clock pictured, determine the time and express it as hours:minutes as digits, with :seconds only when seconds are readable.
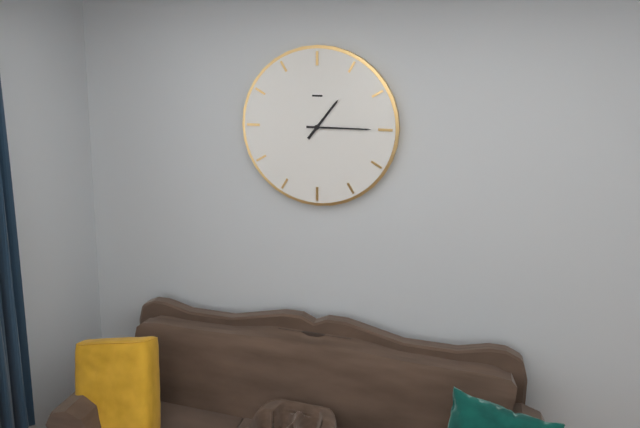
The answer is 1:15
